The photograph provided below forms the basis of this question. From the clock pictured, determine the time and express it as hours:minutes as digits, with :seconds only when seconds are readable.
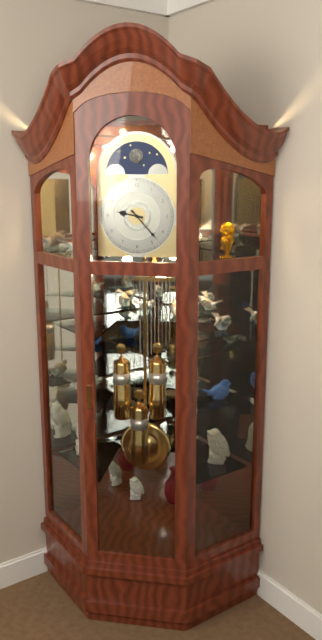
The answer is 9:23
